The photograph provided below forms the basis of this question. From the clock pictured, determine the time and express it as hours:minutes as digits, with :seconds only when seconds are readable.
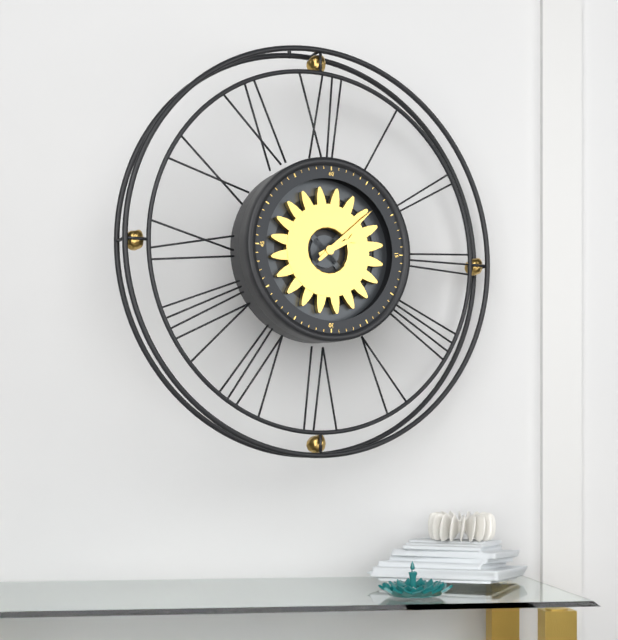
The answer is 2:08
